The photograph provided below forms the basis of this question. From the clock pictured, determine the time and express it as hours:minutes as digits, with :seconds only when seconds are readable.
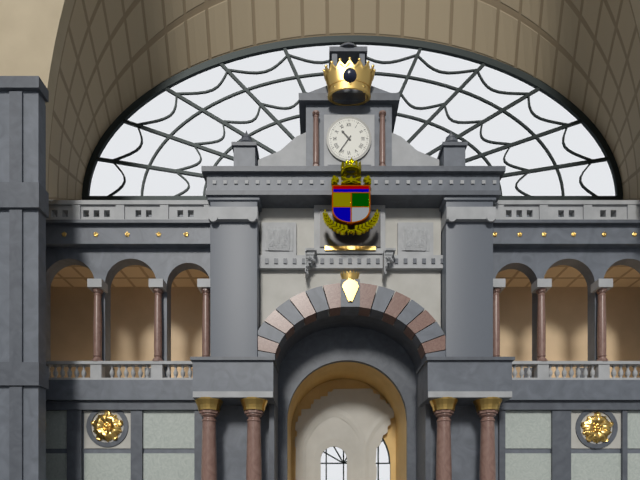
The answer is 10:36
